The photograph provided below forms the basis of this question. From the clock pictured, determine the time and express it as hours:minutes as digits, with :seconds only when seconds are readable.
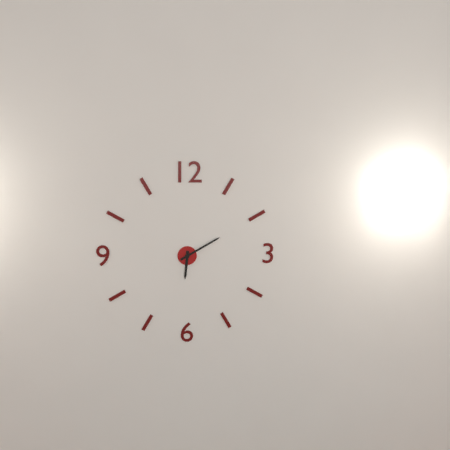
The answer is 6:10
